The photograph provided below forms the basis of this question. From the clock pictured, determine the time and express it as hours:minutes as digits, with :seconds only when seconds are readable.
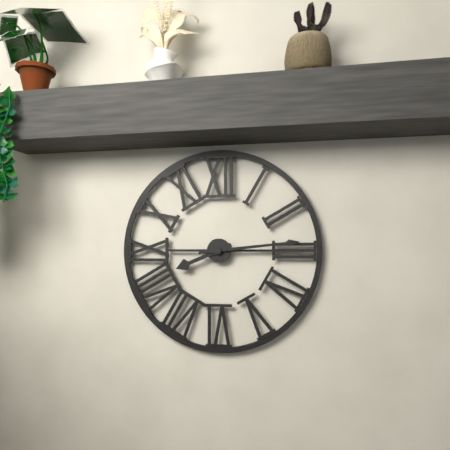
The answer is 8:14
